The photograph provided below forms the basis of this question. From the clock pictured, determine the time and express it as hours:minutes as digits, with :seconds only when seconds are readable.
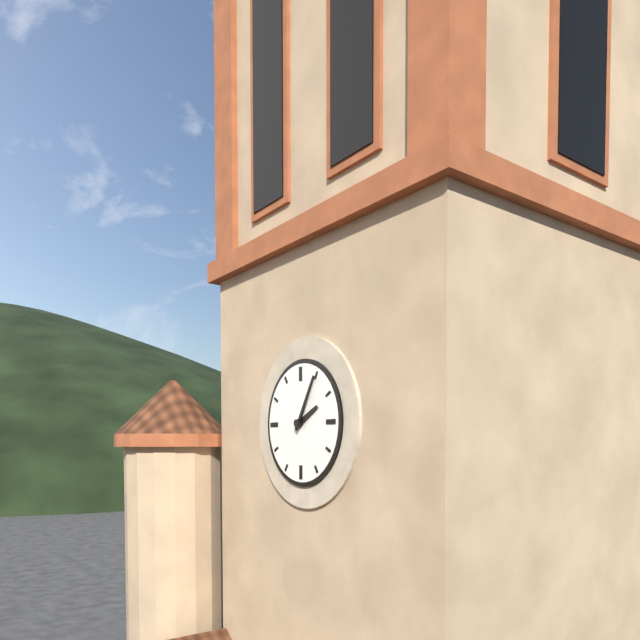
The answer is 2:05
